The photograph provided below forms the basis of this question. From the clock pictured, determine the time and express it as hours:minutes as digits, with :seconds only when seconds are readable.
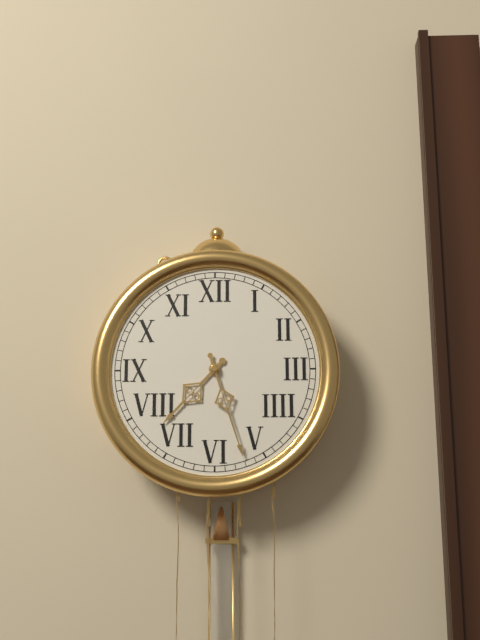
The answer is 7:27
